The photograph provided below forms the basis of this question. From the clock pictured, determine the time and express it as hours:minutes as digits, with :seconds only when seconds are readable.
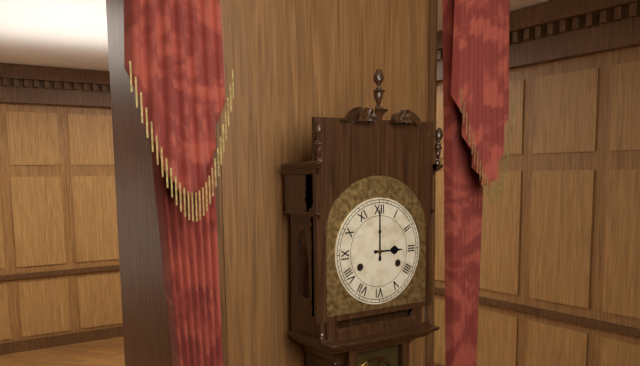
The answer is 3:00
